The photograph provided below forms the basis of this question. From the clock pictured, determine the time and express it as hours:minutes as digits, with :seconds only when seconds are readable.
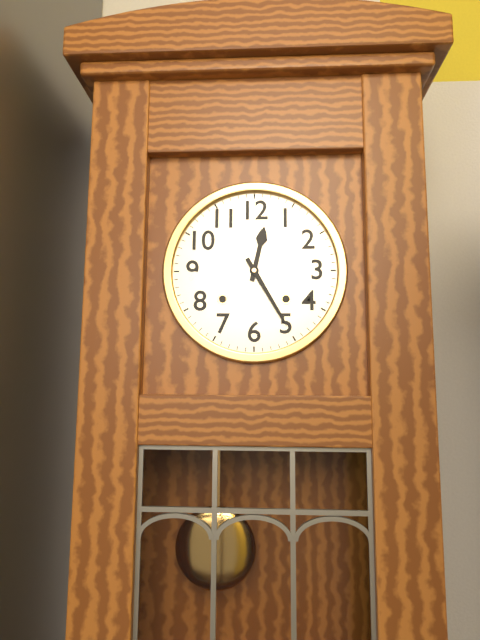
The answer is 12:25
